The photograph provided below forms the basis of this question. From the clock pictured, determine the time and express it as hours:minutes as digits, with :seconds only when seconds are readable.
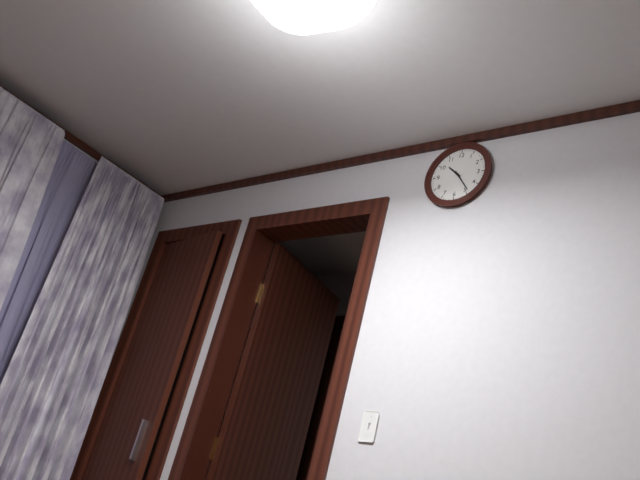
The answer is 10:24
